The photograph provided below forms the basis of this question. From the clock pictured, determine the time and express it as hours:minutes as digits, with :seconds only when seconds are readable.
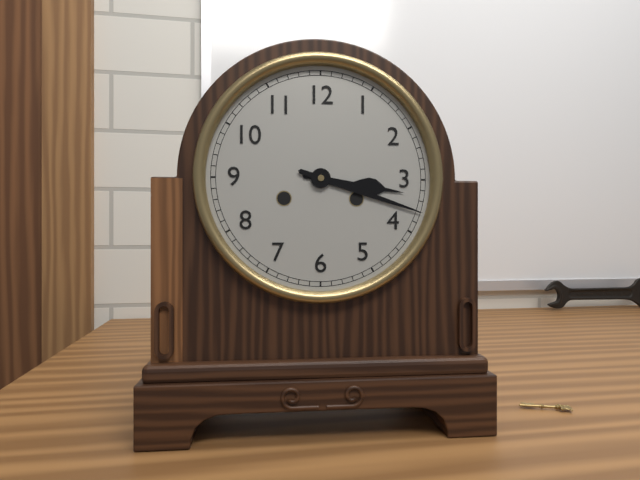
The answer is 3:18
